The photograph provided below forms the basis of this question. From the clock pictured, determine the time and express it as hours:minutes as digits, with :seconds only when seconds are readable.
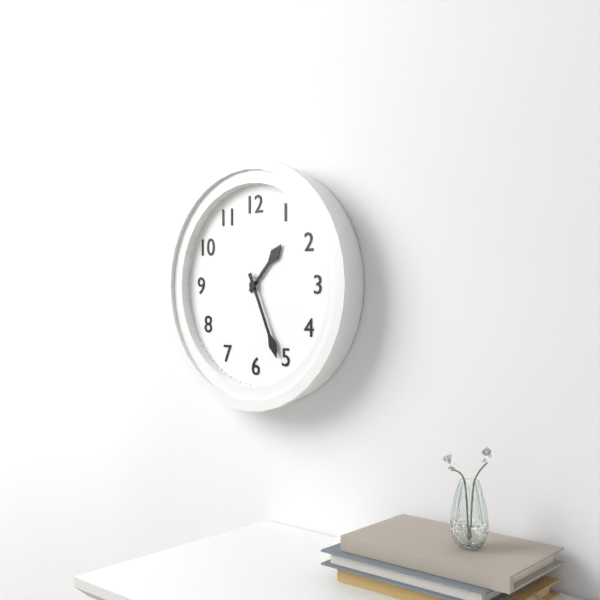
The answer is 1:26
